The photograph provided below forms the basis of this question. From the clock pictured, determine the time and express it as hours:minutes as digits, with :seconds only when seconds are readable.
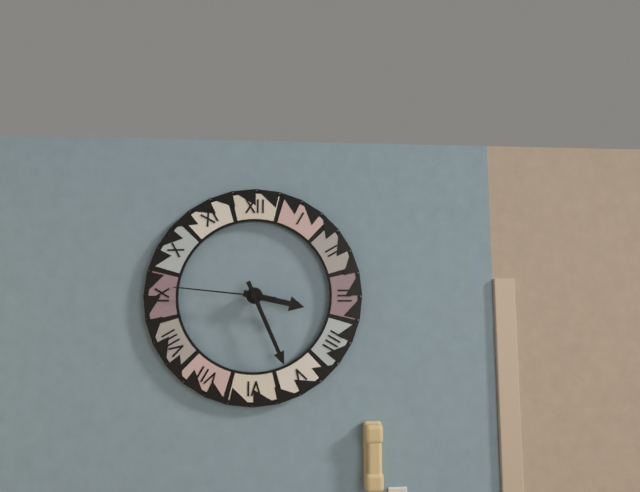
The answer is 3:26:46
